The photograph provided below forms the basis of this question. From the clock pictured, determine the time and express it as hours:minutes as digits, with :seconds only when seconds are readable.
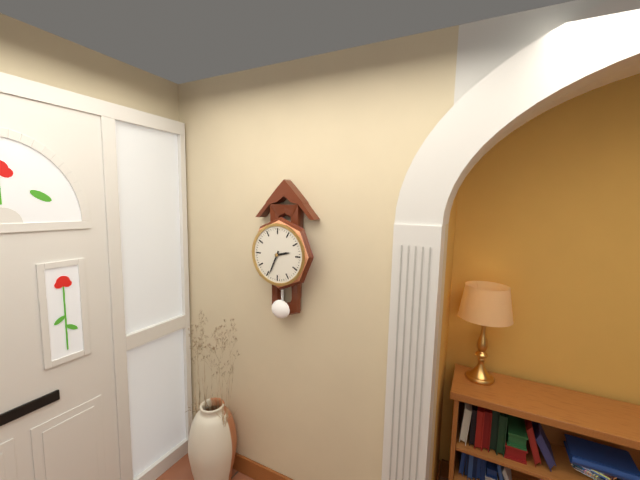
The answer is 2:34
